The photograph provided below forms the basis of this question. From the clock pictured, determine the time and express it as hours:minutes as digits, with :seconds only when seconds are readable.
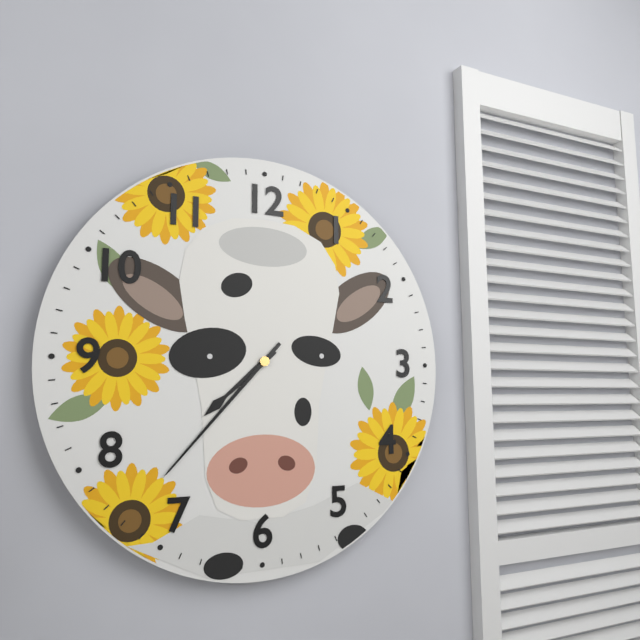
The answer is 7:37
